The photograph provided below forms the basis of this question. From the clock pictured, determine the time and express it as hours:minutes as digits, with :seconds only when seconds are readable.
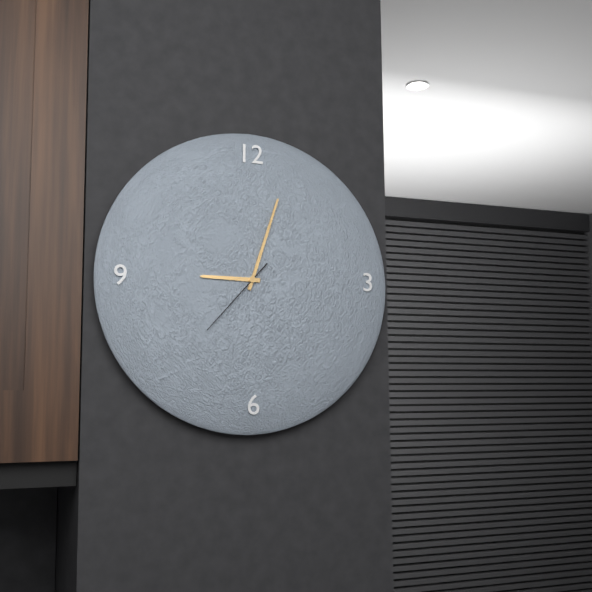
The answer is 9:03:37
